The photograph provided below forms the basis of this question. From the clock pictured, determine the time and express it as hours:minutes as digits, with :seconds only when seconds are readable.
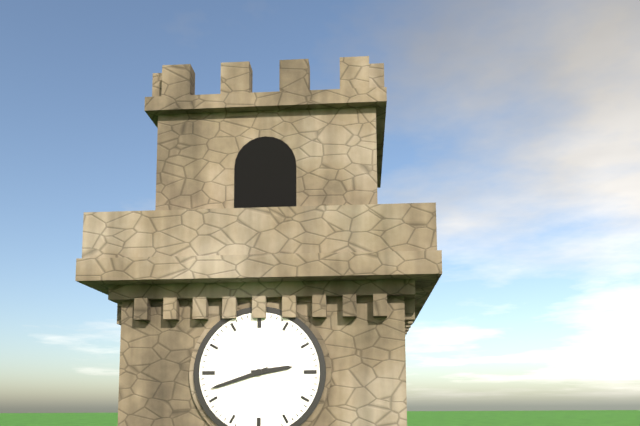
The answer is 2:42
